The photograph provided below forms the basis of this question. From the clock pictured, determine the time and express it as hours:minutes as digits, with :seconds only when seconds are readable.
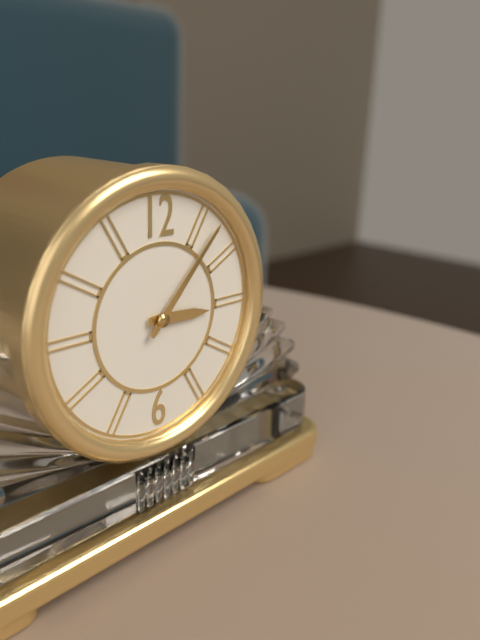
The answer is 3:07
